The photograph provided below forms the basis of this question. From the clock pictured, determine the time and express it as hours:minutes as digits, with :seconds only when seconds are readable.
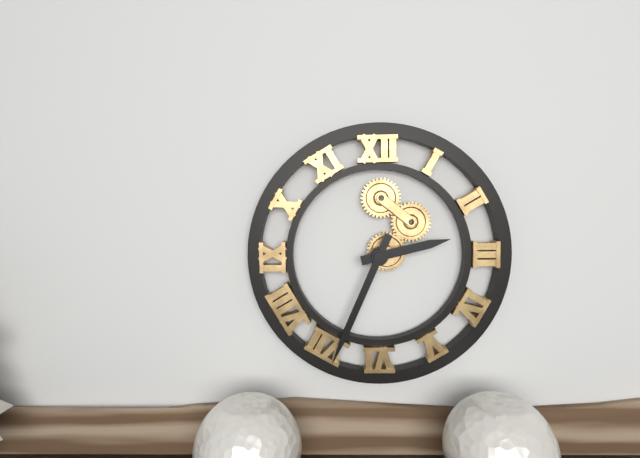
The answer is 2:34
